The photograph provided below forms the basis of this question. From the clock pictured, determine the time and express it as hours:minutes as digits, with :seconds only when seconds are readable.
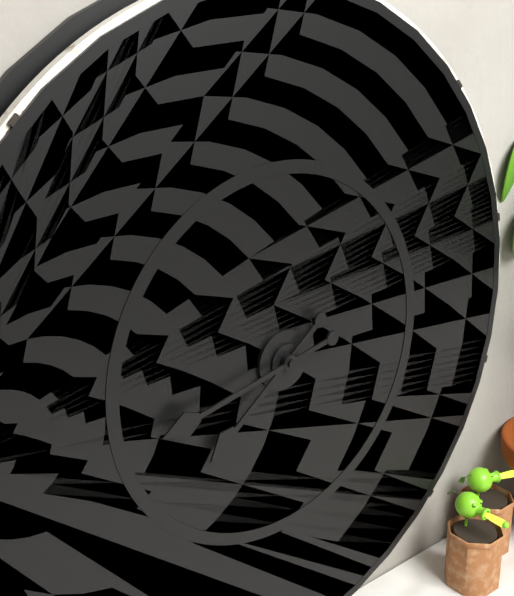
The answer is 7:43
